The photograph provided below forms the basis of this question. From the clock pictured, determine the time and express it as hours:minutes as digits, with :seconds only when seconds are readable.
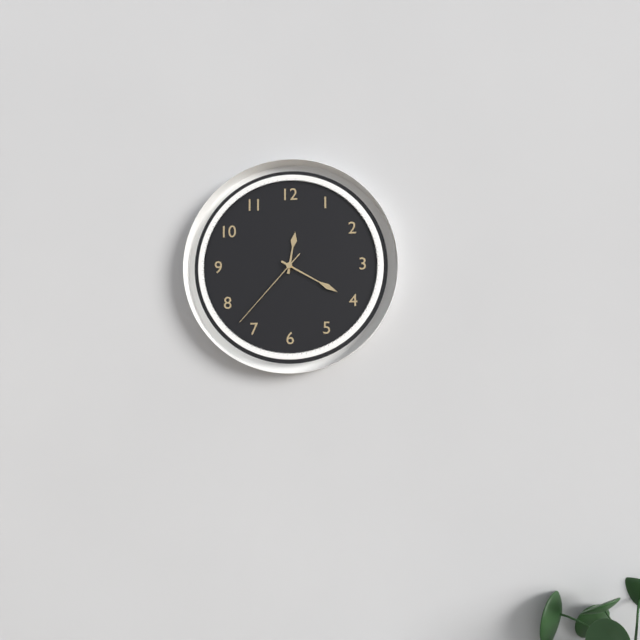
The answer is 12:20:37
